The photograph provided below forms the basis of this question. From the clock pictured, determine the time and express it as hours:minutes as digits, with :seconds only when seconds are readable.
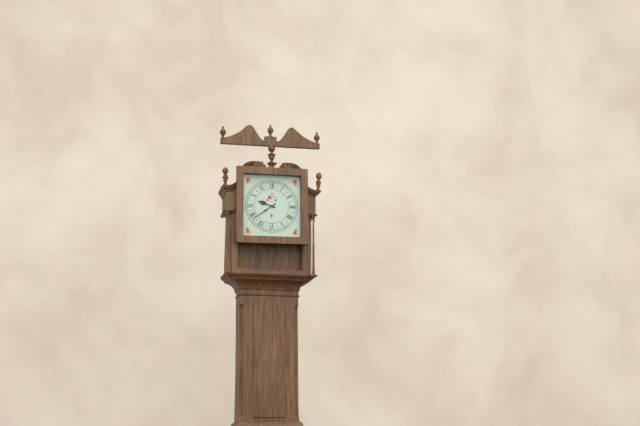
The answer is 9:39
